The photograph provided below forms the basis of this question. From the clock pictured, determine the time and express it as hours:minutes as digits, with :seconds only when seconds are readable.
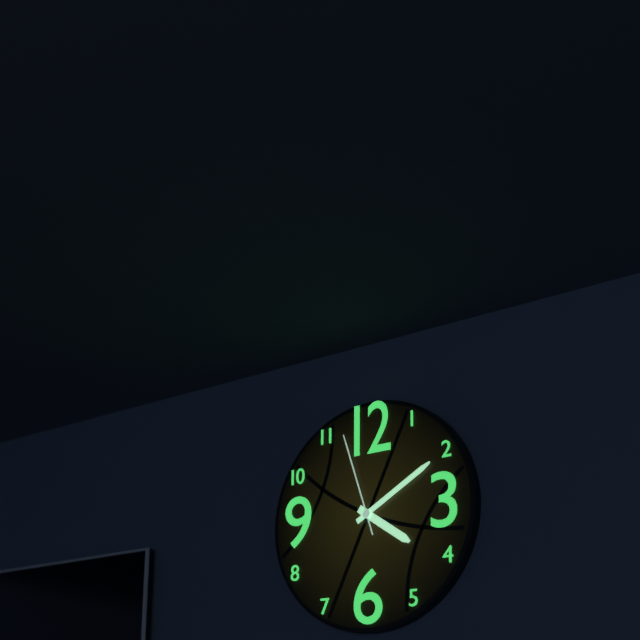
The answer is 4:10:57
